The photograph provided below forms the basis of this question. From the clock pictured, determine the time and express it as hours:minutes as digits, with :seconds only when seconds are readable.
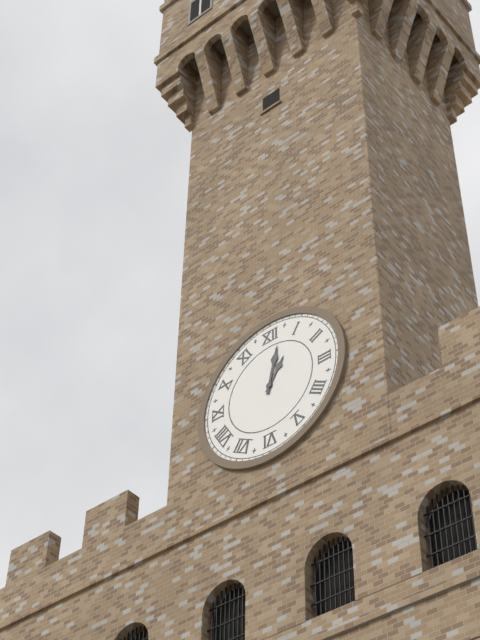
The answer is 1:02
